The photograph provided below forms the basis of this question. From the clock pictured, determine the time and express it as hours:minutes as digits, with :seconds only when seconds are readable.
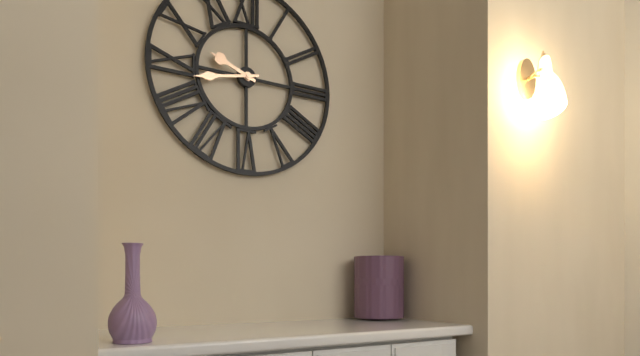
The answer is 9:43
